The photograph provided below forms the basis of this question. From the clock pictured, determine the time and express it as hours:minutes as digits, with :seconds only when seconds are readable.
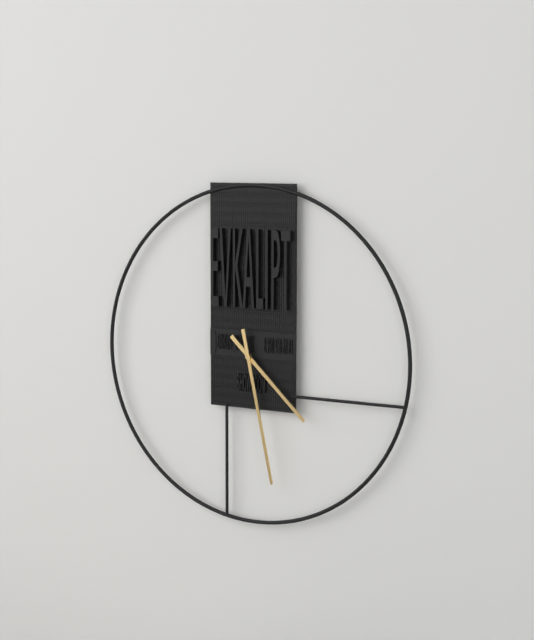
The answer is 4:28
